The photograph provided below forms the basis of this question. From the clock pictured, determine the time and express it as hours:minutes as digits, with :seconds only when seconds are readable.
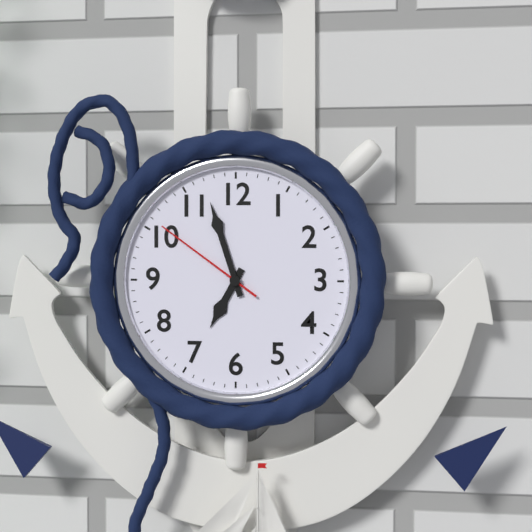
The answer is 6:57:51
